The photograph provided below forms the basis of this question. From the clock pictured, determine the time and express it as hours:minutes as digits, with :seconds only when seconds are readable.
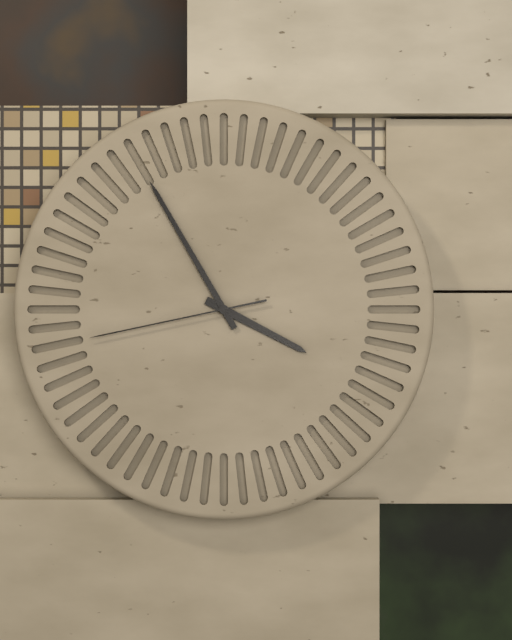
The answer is 3:55:43
